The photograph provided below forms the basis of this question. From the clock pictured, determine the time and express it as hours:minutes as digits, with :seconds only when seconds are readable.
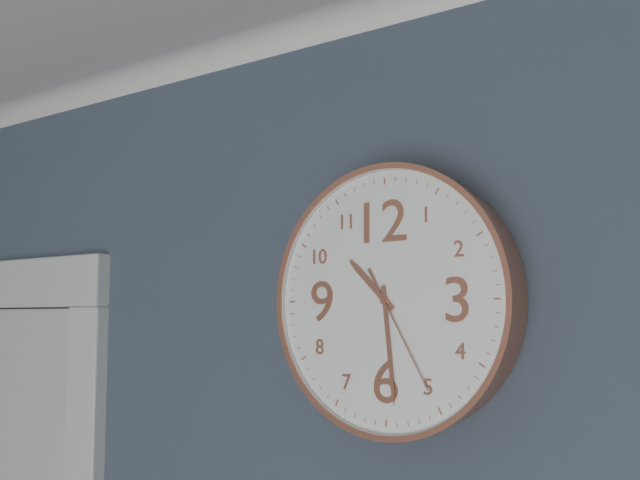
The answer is 10:29:25
